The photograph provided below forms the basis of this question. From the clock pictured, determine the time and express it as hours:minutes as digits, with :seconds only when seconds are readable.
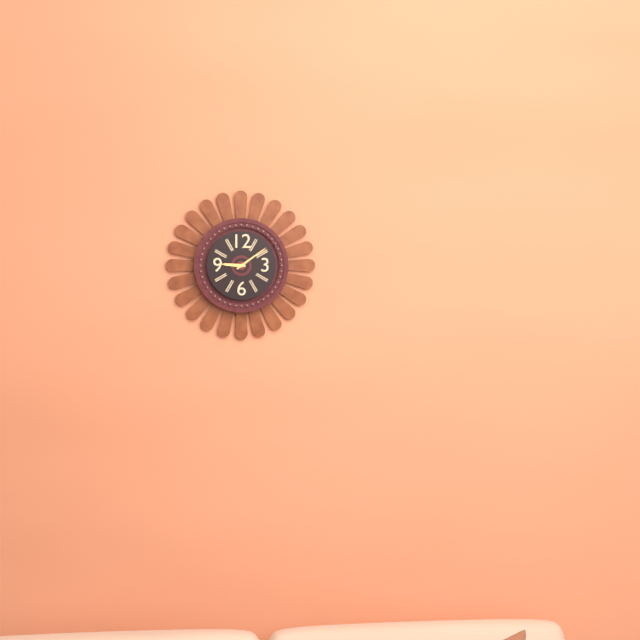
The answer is 9:09
